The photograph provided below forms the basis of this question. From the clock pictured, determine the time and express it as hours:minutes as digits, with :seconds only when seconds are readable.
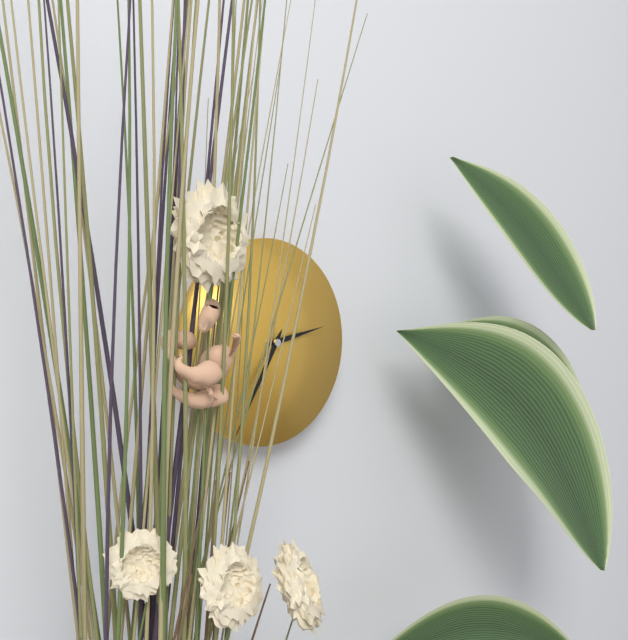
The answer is 2:35
